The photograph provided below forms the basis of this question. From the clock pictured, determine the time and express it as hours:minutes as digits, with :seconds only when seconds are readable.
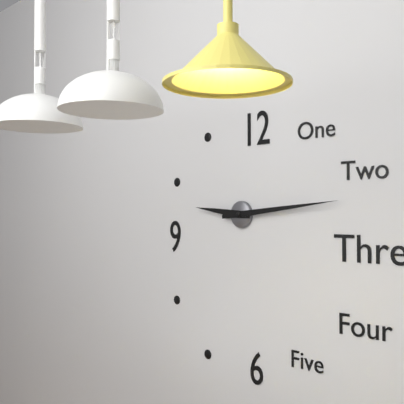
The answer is 9:14
